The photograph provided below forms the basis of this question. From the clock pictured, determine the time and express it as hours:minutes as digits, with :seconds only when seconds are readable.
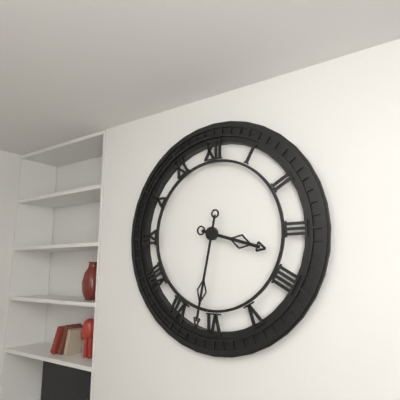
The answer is 3:32
